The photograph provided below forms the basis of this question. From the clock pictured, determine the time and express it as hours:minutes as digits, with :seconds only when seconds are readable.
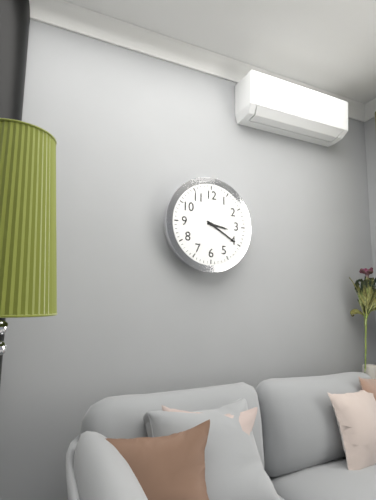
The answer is 3:20
